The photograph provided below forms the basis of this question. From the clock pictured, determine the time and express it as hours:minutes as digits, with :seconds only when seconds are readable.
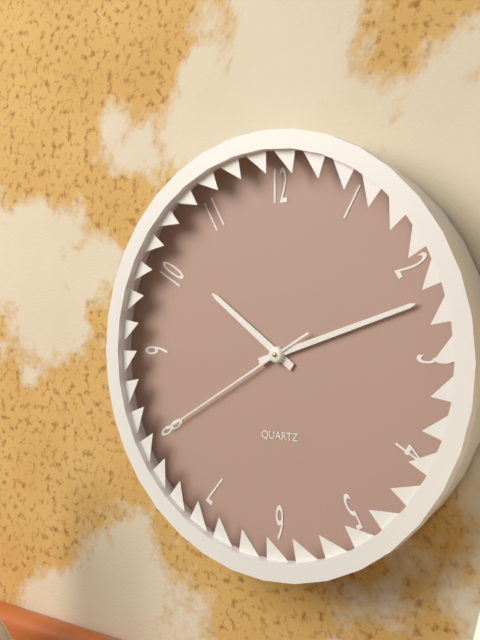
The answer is 10:12:40
